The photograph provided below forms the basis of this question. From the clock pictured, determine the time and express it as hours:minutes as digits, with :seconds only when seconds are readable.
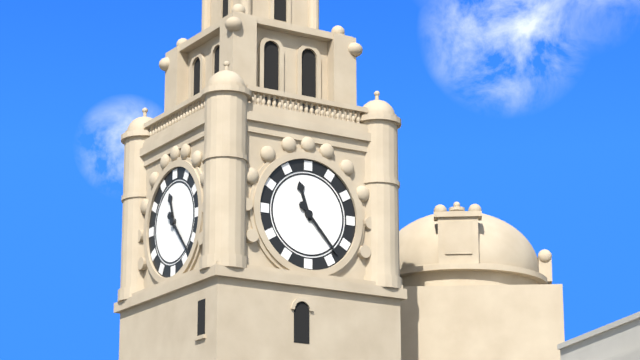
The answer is 11:23
